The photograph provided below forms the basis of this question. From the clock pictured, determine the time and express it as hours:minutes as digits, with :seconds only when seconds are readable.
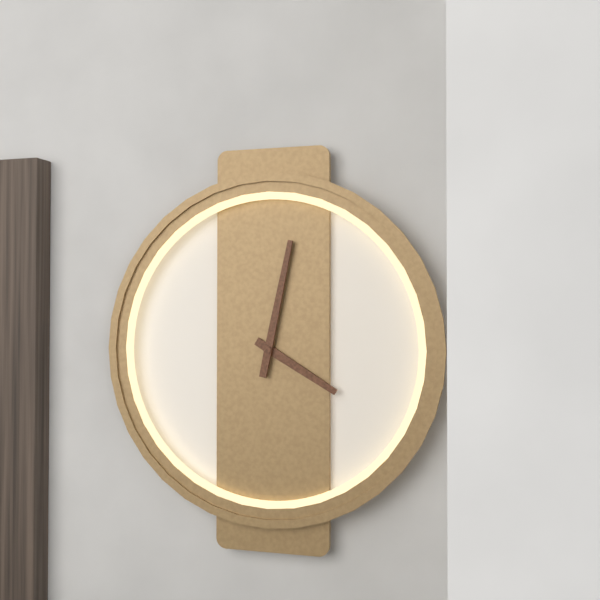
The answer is 4:02
